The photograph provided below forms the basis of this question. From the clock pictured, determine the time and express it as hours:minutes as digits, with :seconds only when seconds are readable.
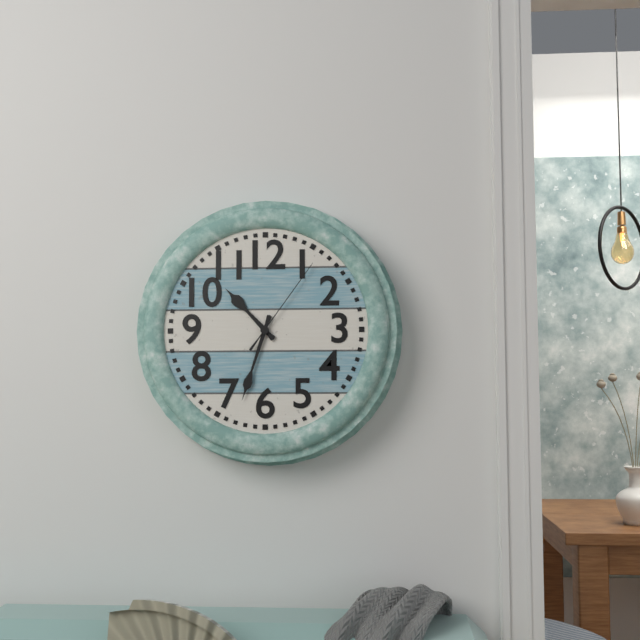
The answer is 10:33:06
